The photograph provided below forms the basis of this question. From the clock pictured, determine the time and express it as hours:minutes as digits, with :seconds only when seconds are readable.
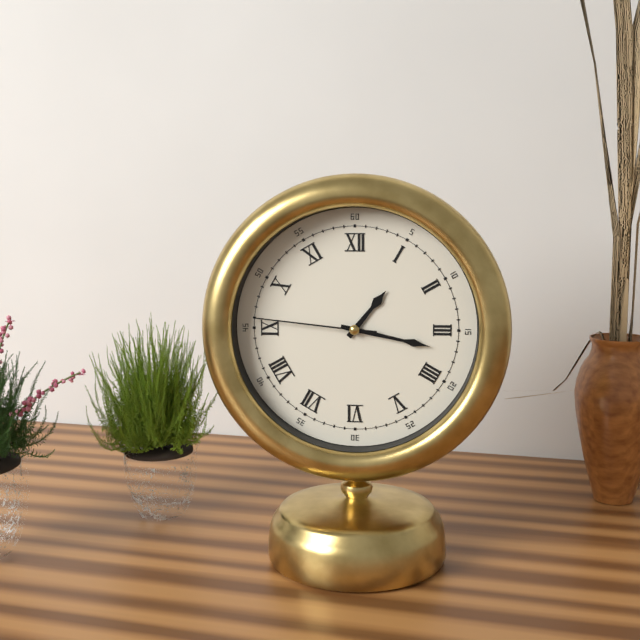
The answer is 1:17:46
